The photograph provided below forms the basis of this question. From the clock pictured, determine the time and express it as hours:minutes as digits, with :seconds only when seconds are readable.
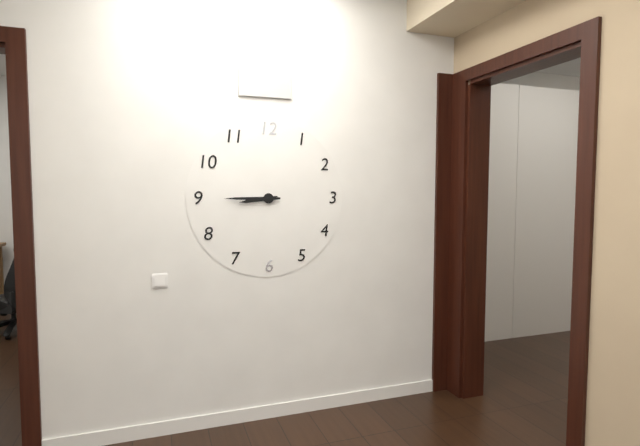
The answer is 8:45
